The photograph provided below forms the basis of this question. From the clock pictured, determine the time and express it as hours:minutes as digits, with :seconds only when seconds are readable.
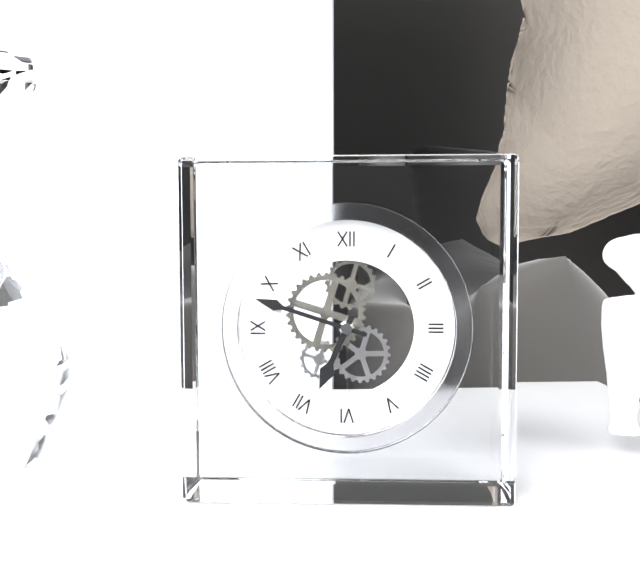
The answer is 6:48
